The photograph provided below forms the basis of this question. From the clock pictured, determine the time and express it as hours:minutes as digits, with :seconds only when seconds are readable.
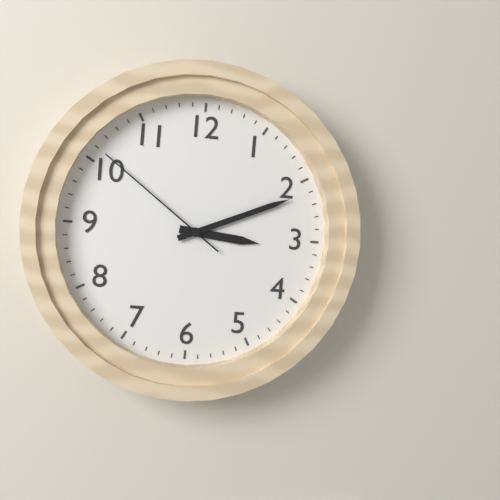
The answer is 3:11:51
